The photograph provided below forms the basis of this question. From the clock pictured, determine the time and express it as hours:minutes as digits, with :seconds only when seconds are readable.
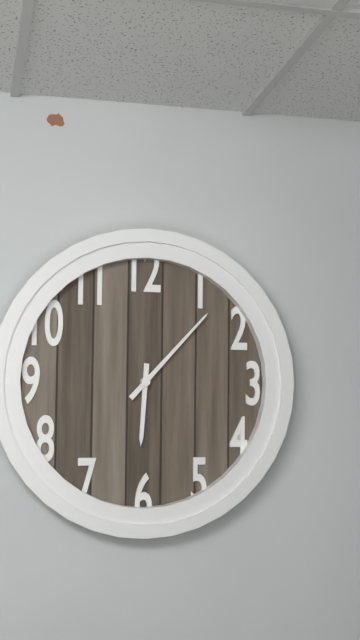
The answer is 6:07
